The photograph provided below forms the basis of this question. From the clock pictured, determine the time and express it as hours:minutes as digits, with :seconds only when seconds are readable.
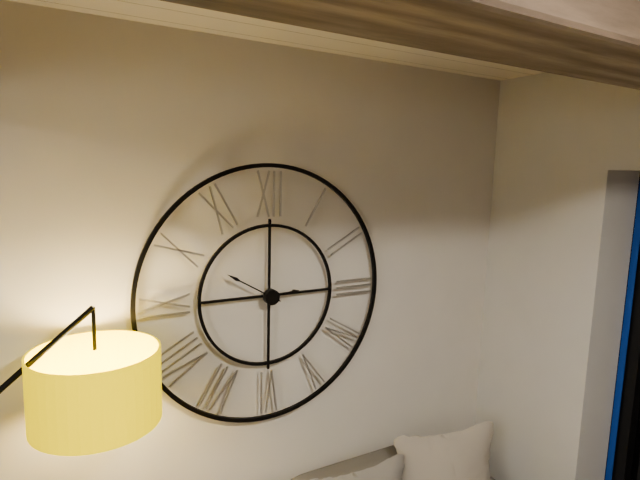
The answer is 2:50
